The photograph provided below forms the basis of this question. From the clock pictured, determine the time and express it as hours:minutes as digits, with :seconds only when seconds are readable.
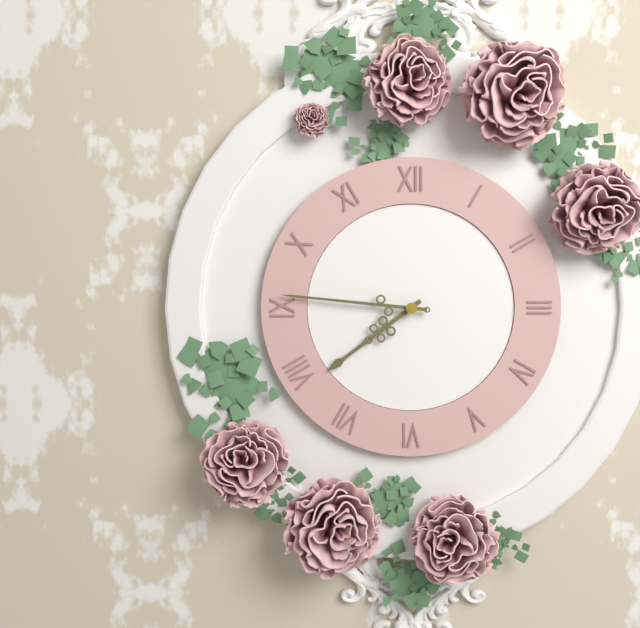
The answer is 7:46
